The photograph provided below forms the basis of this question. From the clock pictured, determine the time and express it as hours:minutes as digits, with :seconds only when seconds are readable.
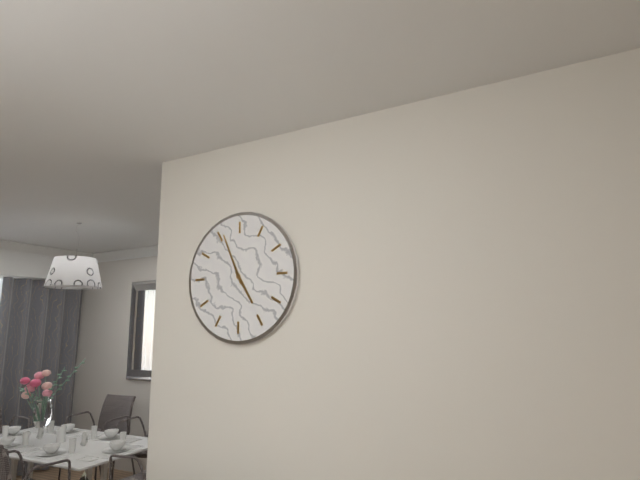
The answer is 4:56
